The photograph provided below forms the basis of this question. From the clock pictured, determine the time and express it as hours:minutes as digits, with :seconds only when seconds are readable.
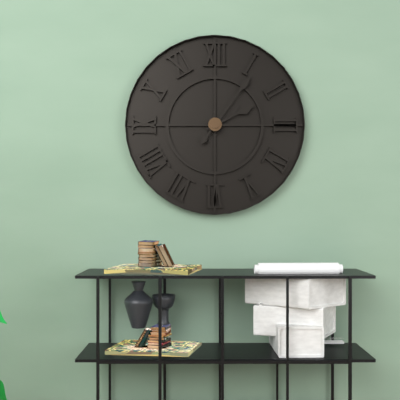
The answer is 2:06
